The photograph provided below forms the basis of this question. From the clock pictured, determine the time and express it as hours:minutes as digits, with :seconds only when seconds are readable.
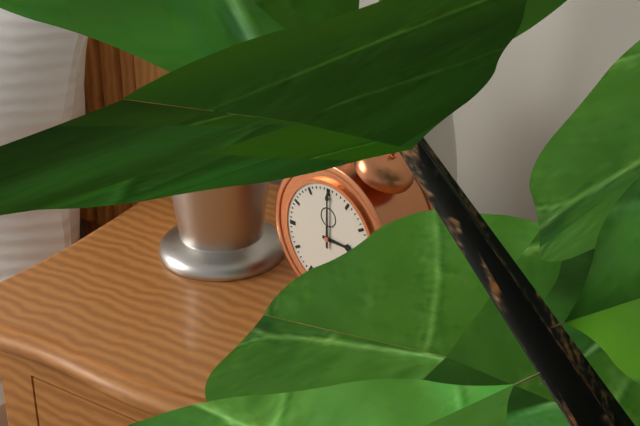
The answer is 3:00
